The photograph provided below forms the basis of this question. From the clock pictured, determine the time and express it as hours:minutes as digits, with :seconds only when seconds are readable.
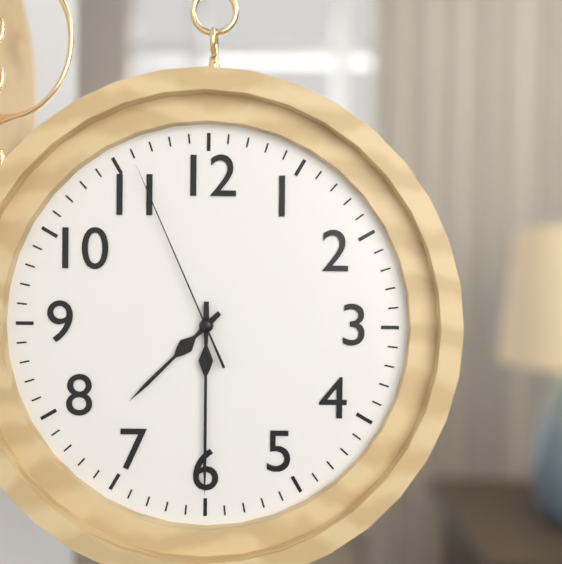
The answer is 7:30:56
